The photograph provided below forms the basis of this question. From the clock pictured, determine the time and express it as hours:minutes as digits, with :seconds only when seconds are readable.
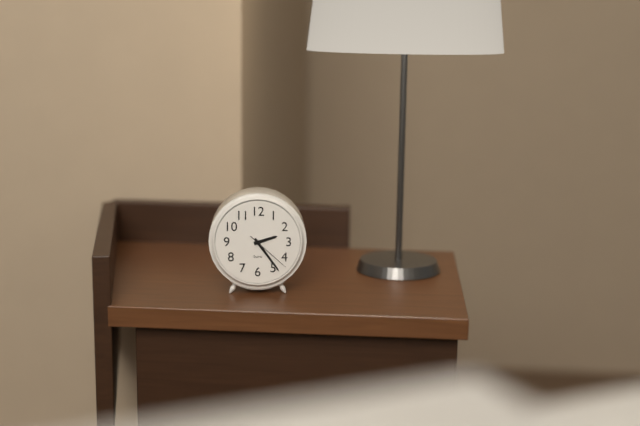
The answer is 2:24
